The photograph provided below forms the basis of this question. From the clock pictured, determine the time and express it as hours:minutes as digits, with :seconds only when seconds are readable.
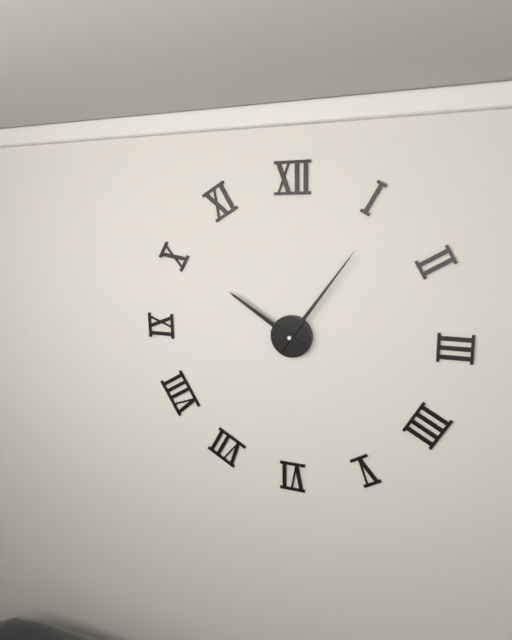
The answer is 10:06
